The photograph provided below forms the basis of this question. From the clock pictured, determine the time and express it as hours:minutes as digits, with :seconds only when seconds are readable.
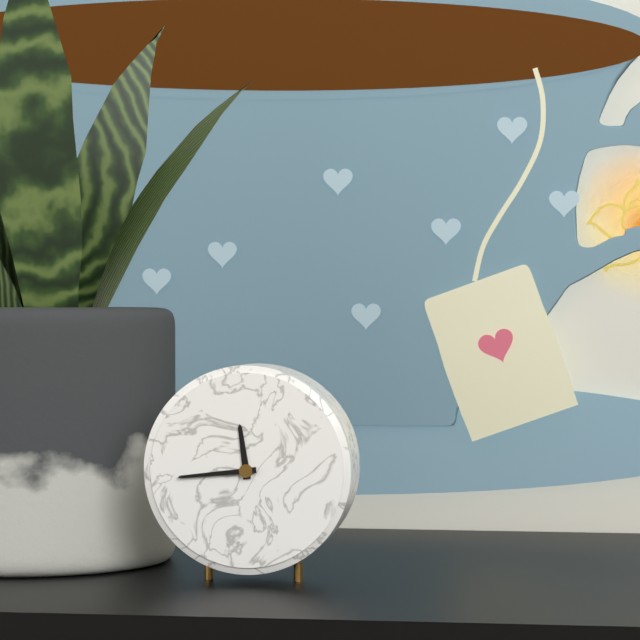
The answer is 11:44
